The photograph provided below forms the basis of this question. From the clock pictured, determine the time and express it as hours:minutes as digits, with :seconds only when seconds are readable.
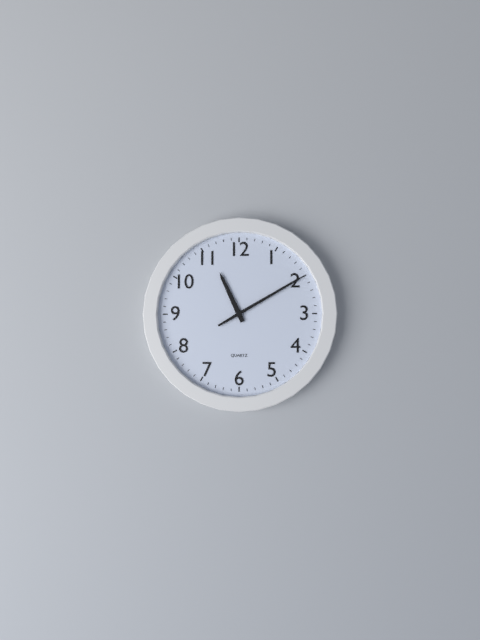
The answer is 11:10
